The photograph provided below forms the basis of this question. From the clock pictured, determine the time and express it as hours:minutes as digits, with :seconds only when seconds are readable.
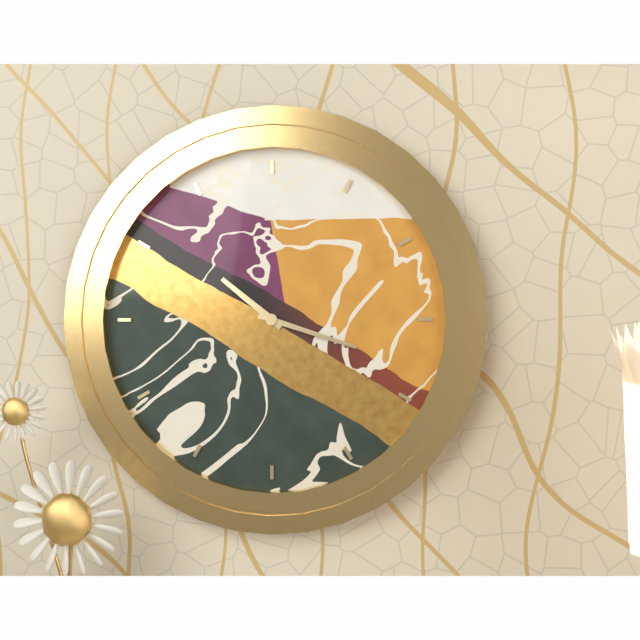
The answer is 10:18
